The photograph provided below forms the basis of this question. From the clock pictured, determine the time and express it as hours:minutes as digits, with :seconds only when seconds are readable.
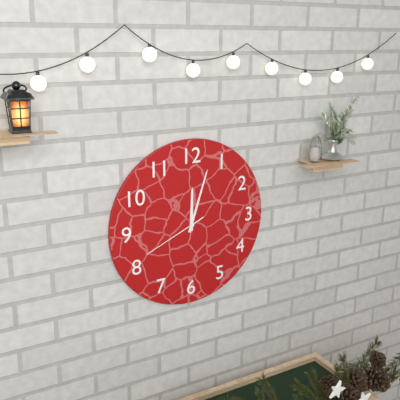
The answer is 12:03:41
